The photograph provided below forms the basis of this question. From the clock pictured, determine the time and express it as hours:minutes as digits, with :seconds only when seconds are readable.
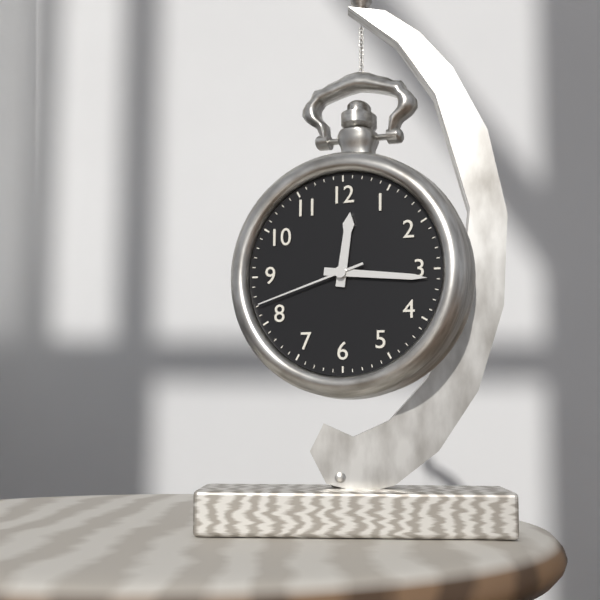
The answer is 12:16:42
